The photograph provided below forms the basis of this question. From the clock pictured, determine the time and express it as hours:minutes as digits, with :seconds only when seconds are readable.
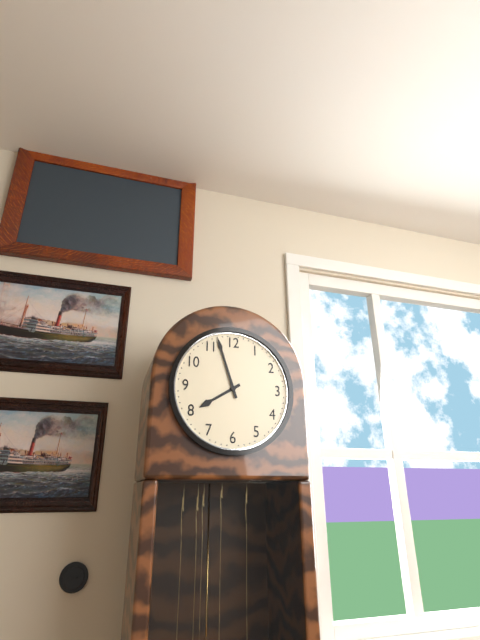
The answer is 7:57
